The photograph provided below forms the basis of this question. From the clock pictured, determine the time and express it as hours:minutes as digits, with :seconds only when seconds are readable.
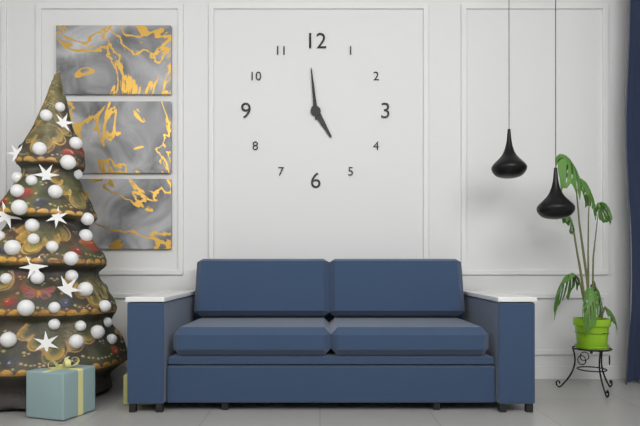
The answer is 4:59
